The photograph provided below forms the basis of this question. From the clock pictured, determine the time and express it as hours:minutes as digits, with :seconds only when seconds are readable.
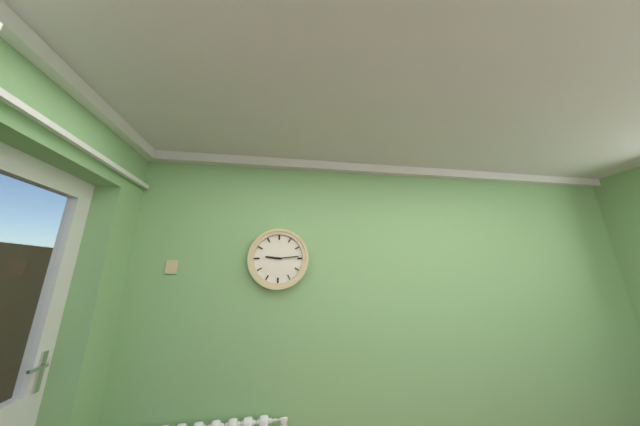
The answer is 9:14
